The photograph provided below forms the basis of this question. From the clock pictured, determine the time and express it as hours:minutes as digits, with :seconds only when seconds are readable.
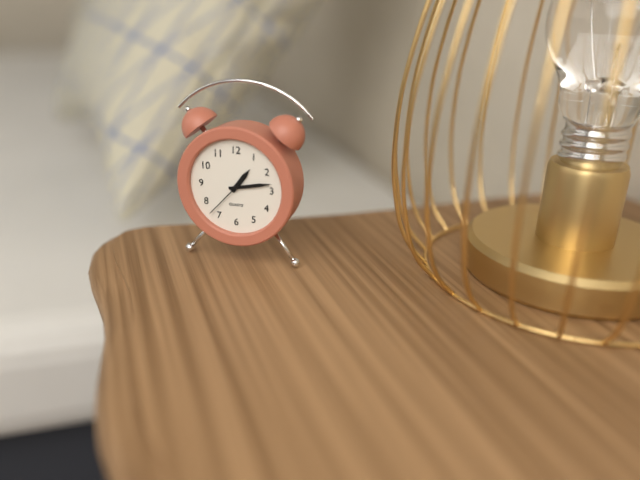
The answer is 1:13
